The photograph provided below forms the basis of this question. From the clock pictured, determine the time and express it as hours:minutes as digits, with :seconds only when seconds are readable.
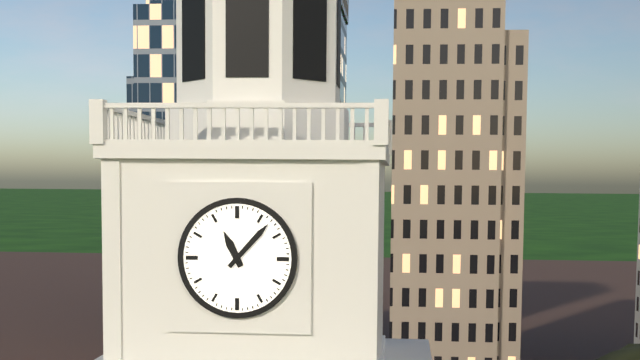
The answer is 11:07
